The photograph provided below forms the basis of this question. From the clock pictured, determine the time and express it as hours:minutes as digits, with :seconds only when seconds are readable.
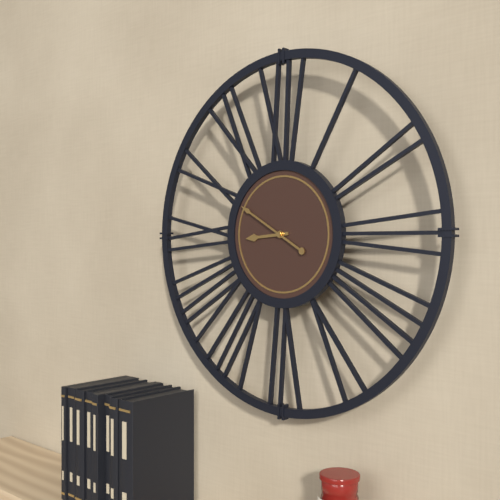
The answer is 8:50
